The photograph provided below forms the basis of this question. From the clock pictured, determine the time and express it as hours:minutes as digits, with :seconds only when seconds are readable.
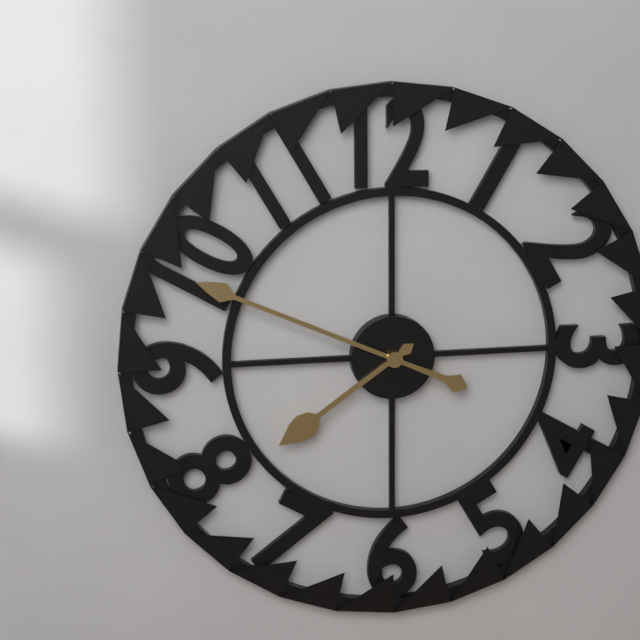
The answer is 7:49
